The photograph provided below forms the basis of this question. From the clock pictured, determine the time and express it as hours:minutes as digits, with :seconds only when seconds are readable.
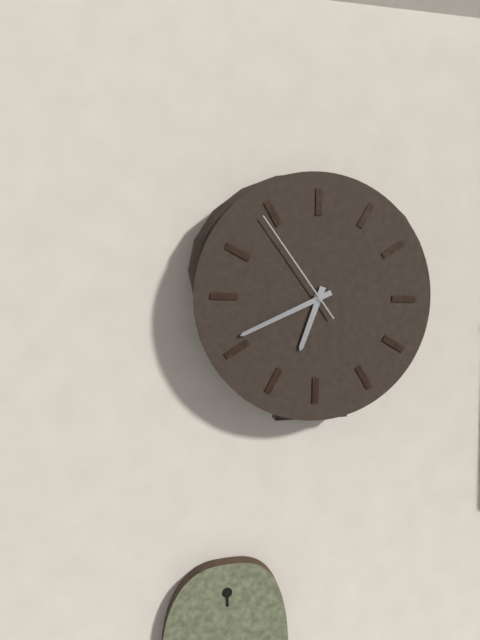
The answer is 6:41:54
